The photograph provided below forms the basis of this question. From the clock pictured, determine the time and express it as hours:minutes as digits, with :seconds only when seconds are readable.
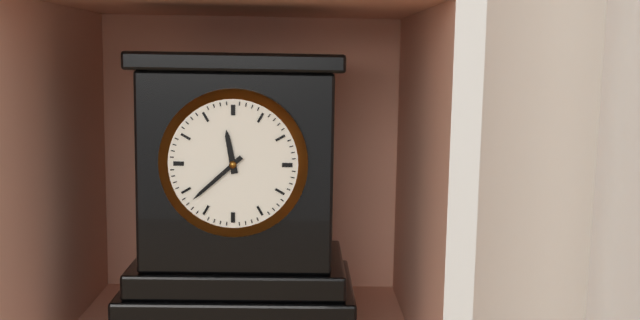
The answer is 11:38
